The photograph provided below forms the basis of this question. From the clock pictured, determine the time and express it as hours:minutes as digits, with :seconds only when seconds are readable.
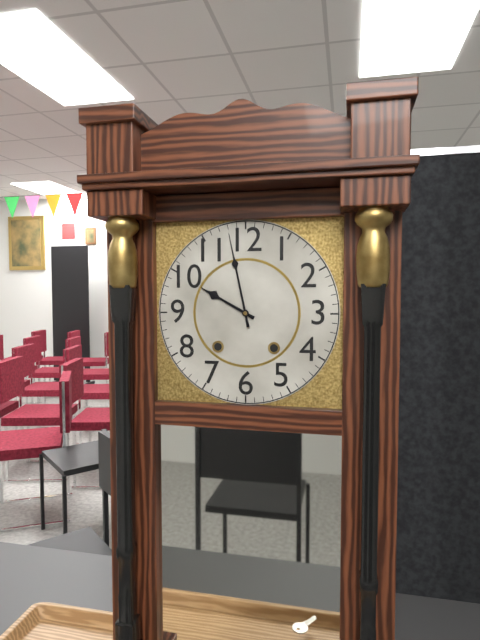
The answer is 9:58
